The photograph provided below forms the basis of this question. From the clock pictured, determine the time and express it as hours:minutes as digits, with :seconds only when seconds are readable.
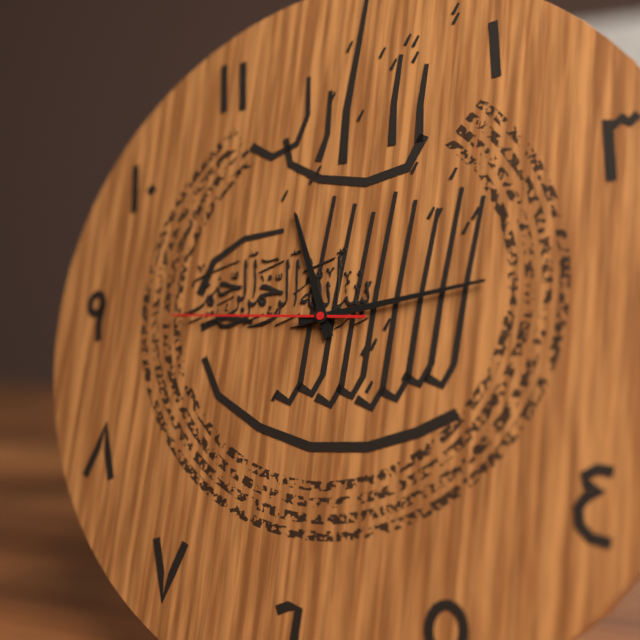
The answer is 11:13:45
